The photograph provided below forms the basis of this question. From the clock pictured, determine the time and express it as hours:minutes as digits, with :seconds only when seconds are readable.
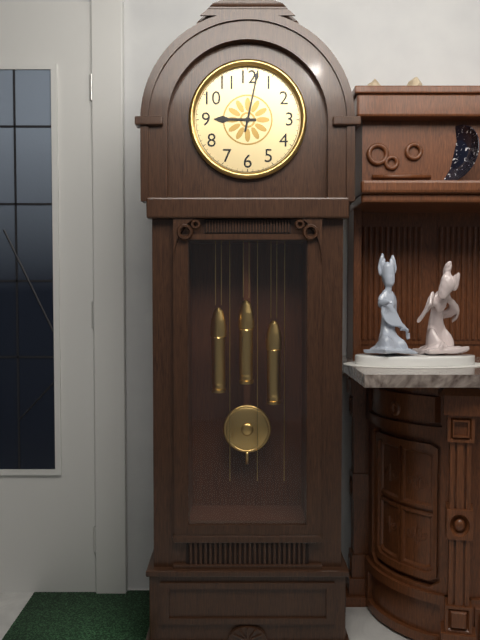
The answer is 9:02
